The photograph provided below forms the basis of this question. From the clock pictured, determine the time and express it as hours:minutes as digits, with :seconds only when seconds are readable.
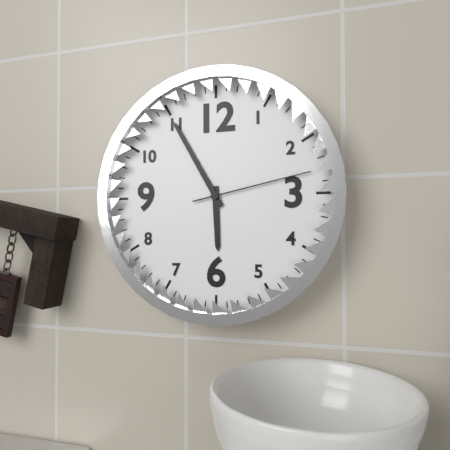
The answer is 5:55:13
